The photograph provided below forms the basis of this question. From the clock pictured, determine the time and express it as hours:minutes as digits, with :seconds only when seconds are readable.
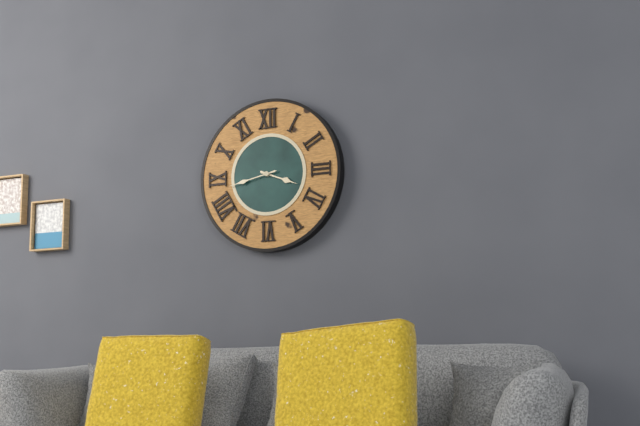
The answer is 3:43
